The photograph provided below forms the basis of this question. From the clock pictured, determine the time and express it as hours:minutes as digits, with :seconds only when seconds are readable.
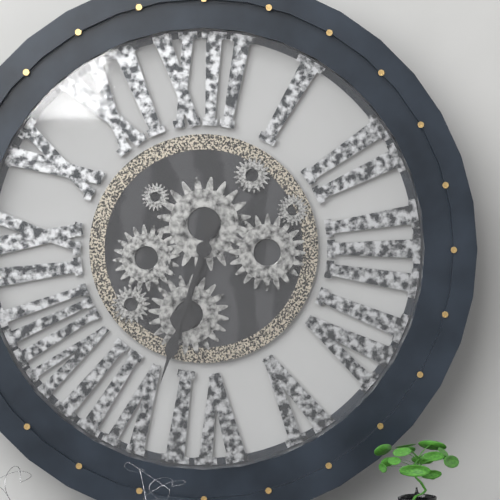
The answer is 6:33
